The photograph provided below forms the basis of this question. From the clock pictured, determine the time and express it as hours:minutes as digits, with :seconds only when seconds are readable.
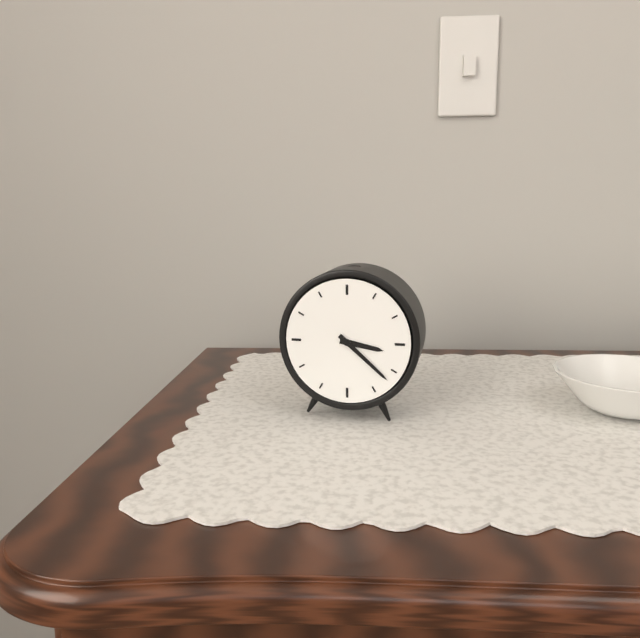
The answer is 3:22
